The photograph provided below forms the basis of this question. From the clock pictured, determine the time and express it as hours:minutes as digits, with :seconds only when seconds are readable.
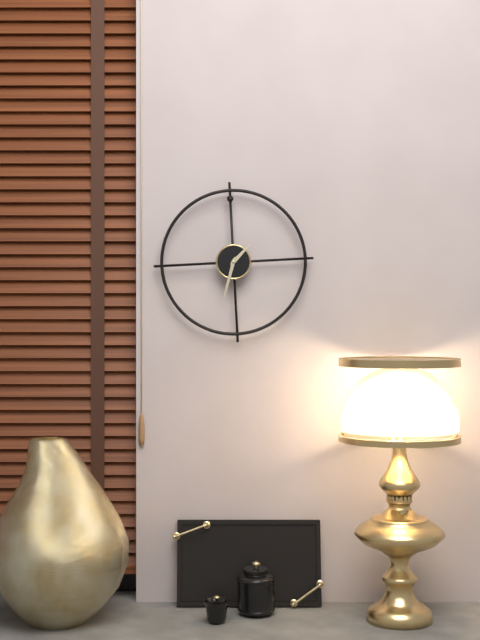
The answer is 1:33
